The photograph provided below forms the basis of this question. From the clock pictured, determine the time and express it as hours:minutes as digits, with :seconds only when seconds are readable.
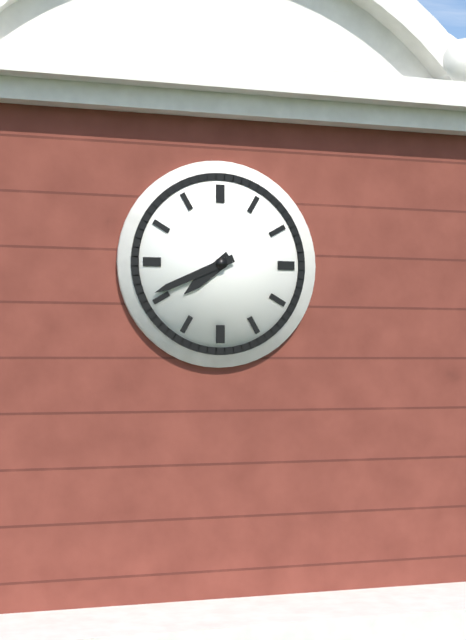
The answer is 7:41
